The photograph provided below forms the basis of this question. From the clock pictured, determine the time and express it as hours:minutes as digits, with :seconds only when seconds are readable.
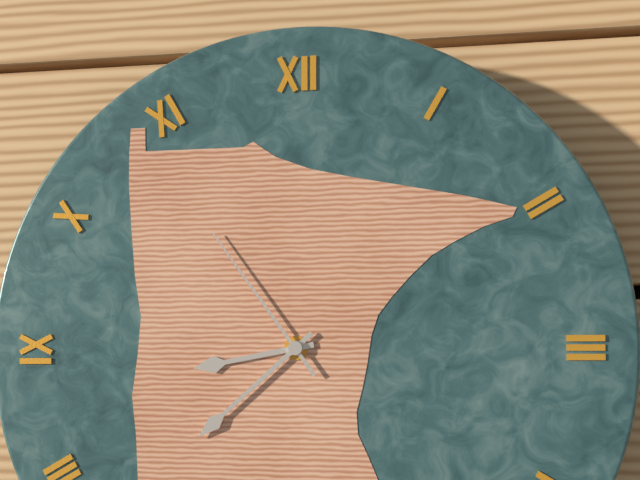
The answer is 8:38:54
